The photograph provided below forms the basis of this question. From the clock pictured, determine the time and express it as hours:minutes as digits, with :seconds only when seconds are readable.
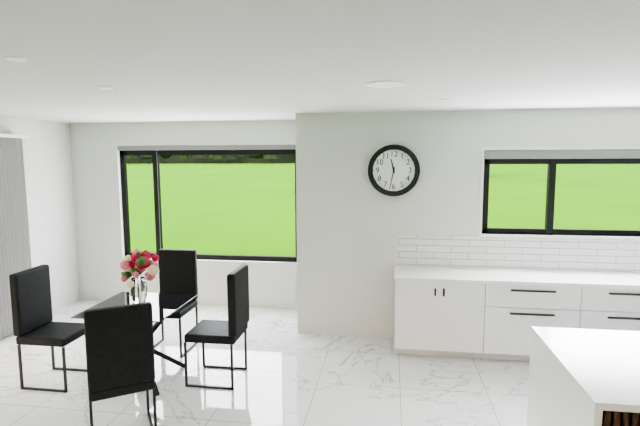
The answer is 11:32
